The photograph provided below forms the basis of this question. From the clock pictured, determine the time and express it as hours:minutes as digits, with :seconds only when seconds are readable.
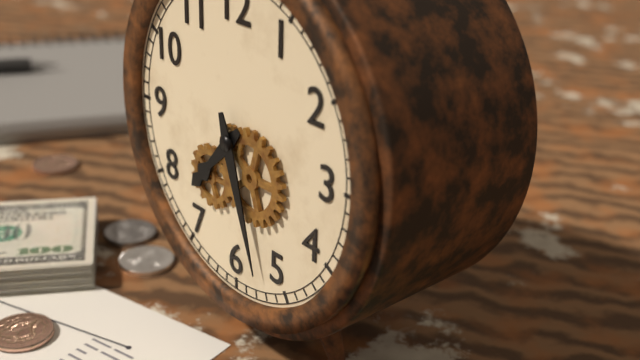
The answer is 7:27
